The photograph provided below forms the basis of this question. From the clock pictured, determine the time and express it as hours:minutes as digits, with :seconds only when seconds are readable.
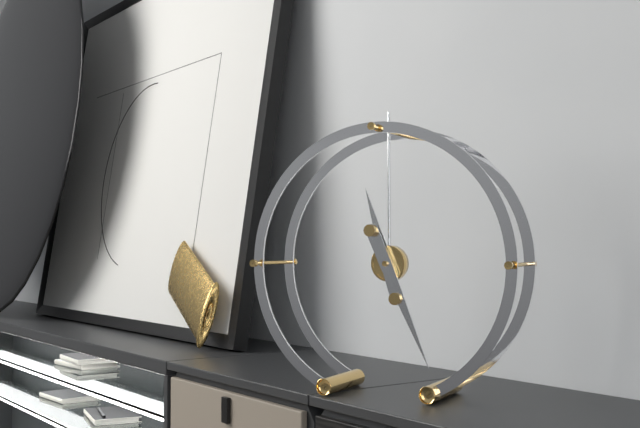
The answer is 11:26
